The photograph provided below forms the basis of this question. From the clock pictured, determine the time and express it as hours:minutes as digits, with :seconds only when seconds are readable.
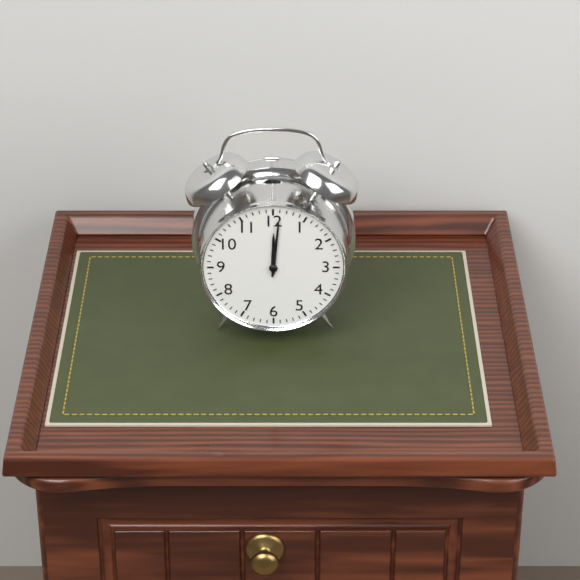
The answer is 12:01
